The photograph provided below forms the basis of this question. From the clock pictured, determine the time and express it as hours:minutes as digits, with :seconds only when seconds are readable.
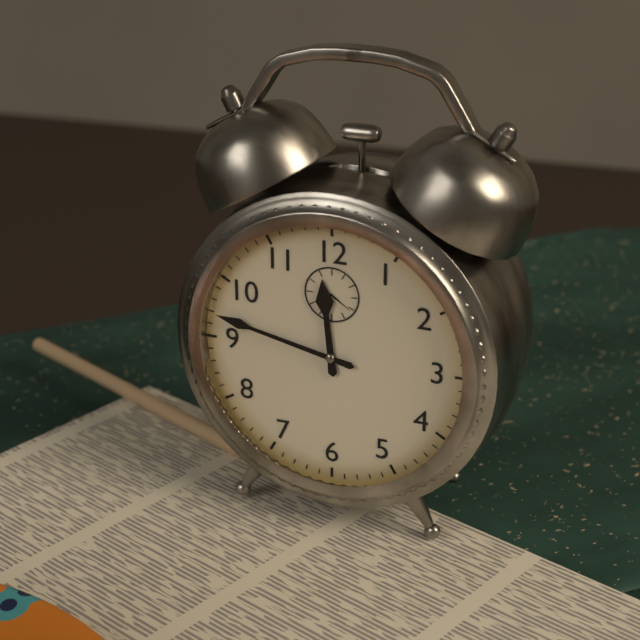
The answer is 11:47
